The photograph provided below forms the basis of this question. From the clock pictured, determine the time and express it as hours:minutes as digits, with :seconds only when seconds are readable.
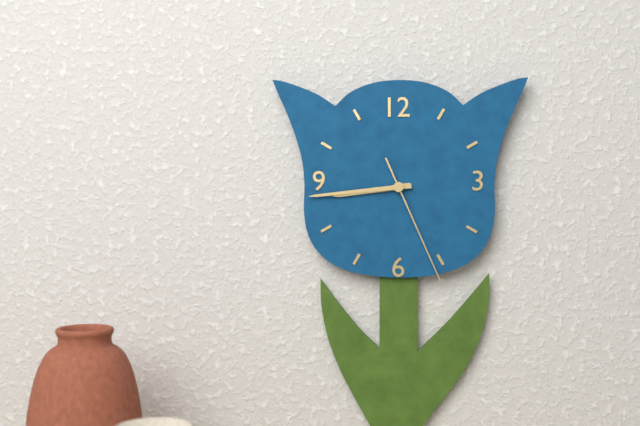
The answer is 8:44:26
